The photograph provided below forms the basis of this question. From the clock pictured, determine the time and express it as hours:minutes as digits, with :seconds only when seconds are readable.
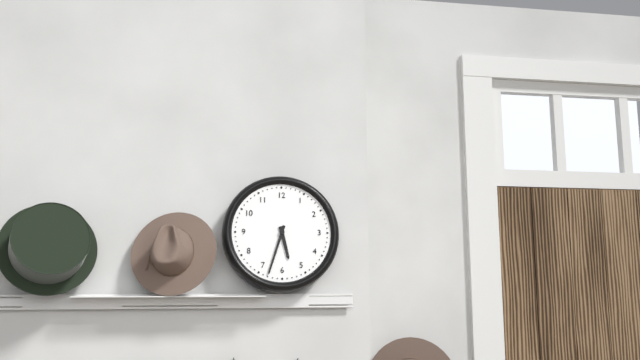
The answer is 5:33
